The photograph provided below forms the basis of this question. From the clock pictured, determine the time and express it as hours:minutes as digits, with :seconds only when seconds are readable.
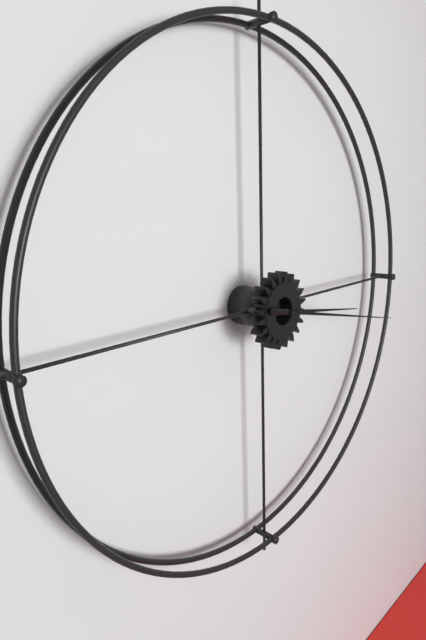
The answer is 3:17
